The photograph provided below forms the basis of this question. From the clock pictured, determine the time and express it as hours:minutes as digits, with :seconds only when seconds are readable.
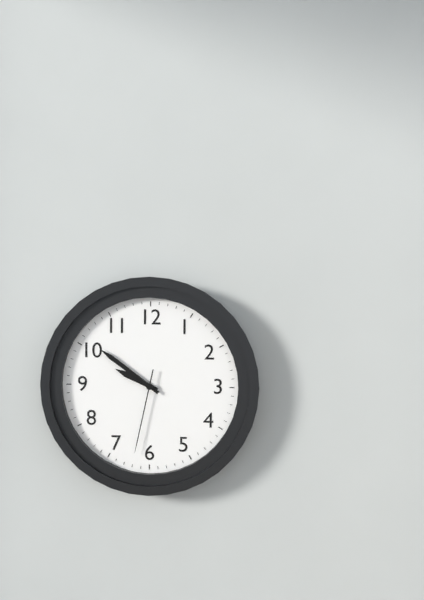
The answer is 9:51:32
